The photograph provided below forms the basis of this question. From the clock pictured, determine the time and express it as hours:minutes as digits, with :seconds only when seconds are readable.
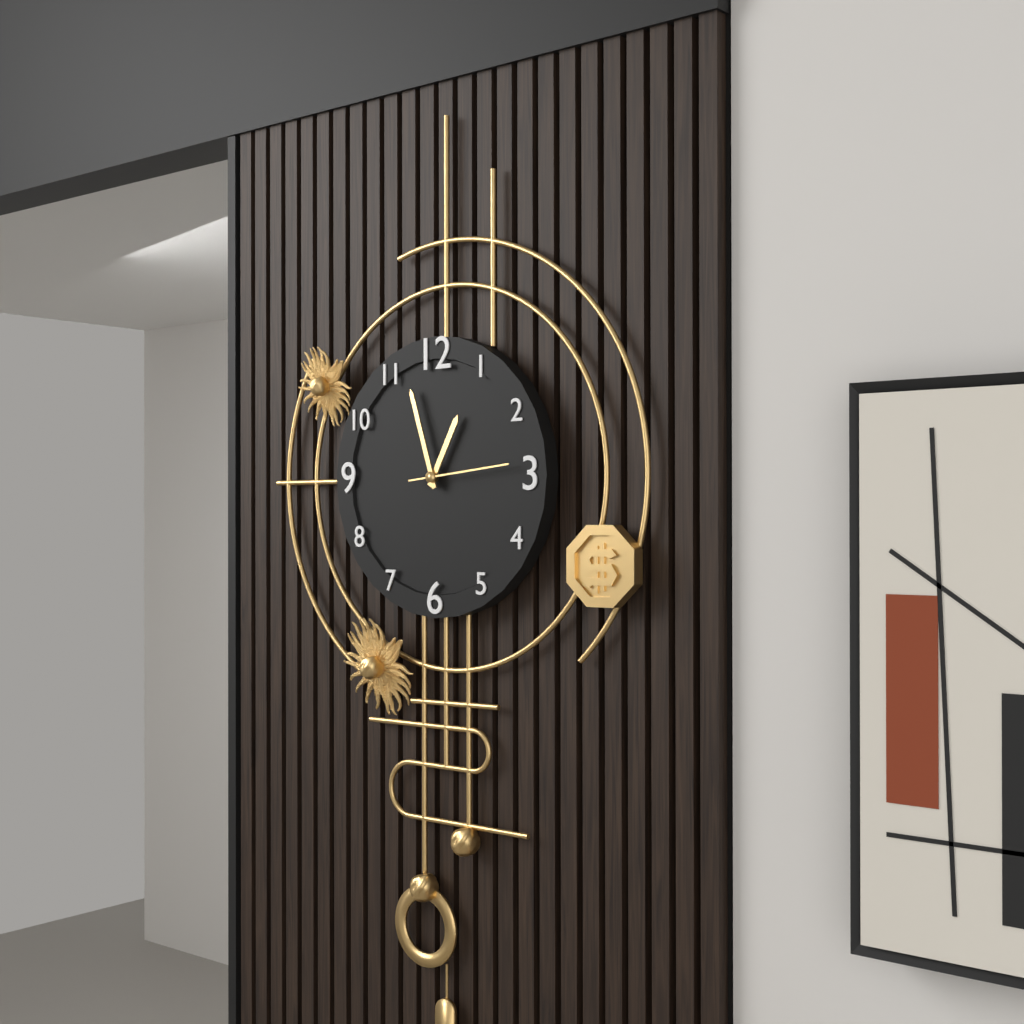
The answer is 12:57:14
